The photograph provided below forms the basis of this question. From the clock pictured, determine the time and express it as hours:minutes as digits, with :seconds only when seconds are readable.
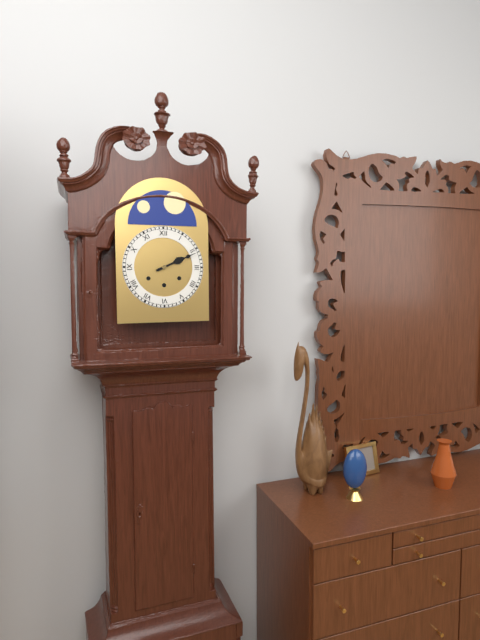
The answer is 2:11
